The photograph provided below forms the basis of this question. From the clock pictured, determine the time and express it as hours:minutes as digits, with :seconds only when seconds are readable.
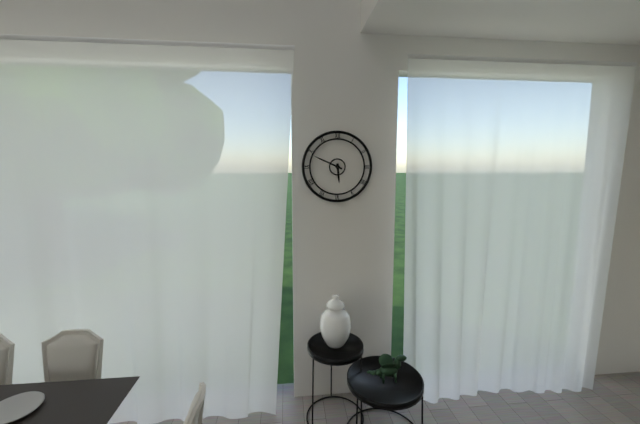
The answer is 5:49
